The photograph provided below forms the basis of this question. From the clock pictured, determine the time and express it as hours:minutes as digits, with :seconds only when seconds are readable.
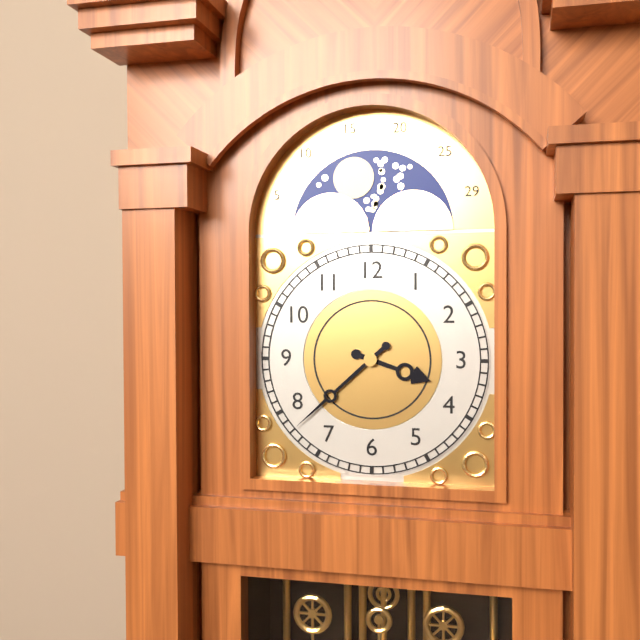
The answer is 3:38
